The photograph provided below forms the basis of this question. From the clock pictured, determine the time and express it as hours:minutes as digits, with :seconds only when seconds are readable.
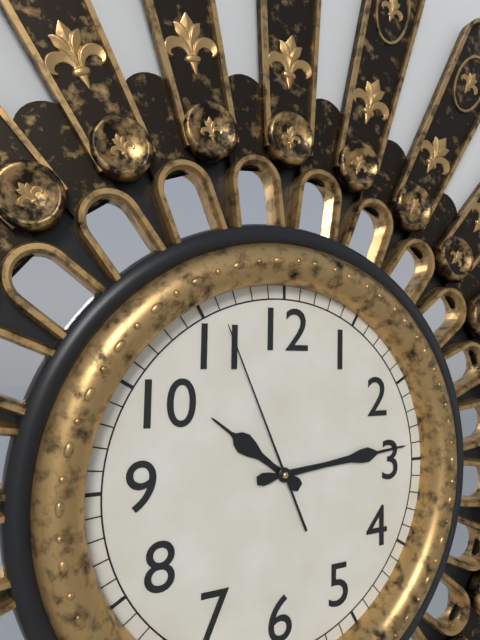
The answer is 10:14:56
